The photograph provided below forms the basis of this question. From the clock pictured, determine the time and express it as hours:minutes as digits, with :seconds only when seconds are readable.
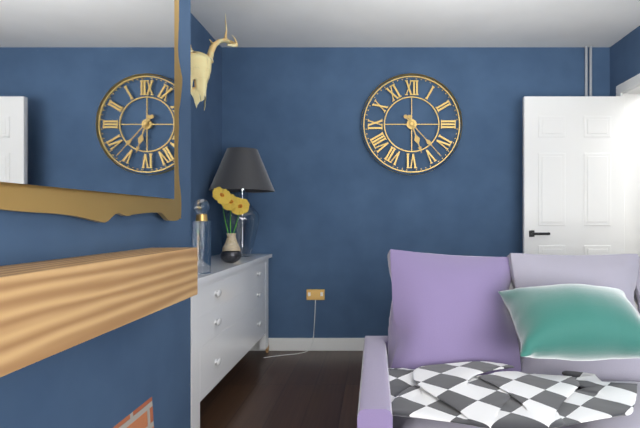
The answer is 5:23
